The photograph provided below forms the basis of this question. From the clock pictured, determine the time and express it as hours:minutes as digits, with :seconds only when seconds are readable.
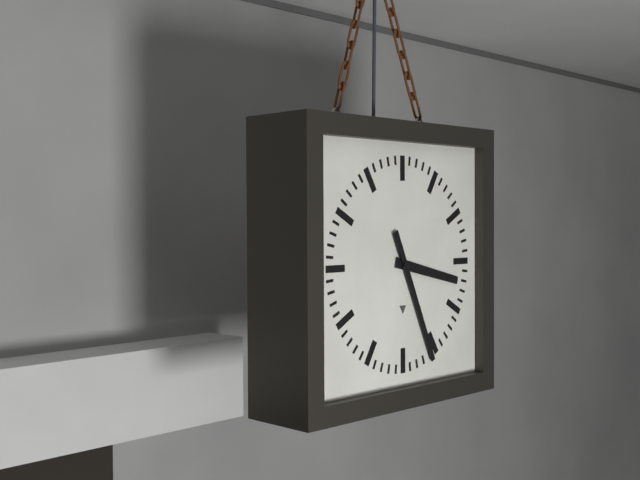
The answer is 3:26
